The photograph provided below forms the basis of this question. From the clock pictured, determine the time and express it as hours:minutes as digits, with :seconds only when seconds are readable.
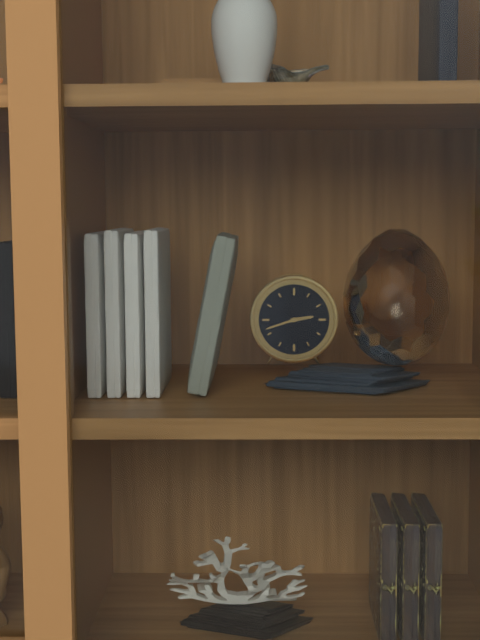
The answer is 2:42
